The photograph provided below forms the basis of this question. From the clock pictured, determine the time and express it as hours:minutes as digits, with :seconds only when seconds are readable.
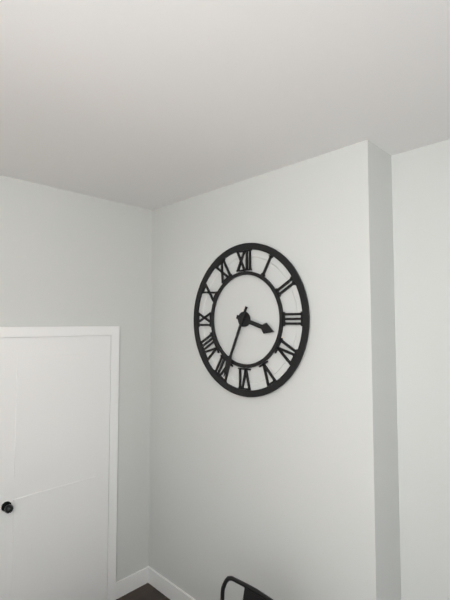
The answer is 3:34
